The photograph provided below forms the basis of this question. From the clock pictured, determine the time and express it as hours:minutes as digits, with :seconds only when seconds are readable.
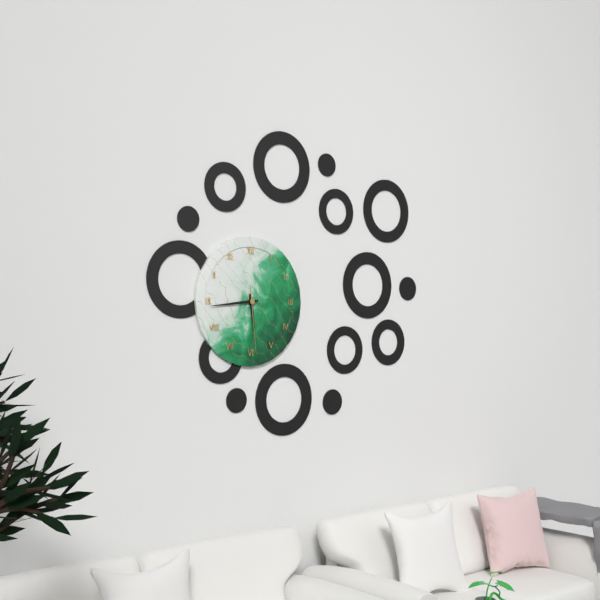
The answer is 5:44:29
